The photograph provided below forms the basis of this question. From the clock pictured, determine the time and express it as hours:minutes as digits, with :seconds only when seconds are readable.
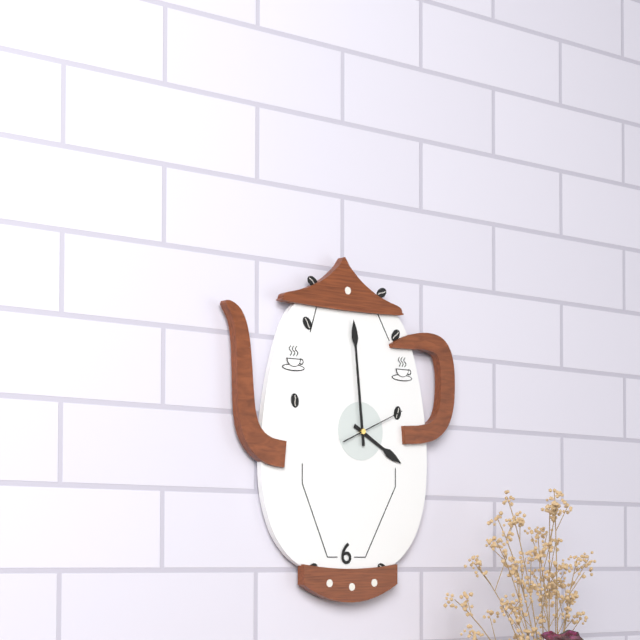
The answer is 3:59:11
